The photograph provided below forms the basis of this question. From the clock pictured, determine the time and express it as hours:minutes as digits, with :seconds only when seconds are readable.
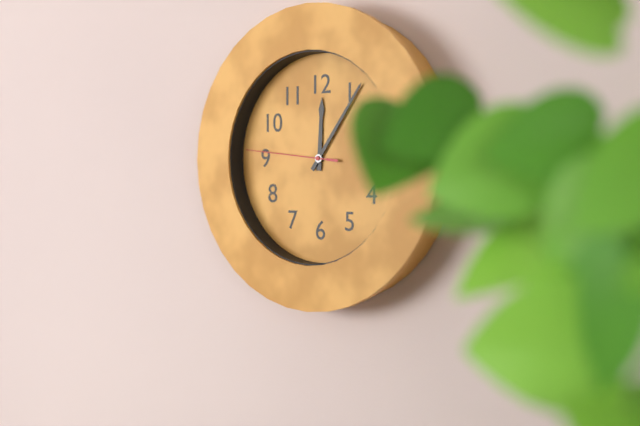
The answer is 12:06:46
